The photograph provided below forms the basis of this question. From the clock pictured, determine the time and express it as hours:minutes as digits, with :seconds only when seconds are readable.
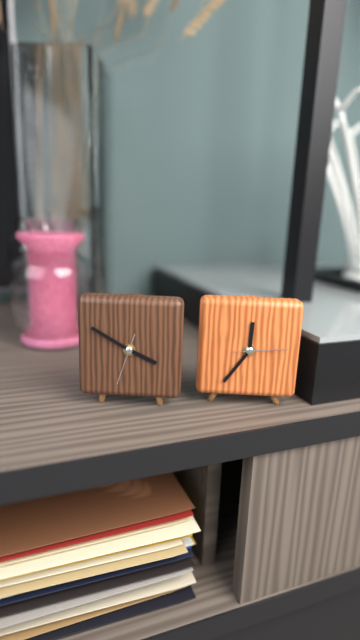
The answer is 3:50
